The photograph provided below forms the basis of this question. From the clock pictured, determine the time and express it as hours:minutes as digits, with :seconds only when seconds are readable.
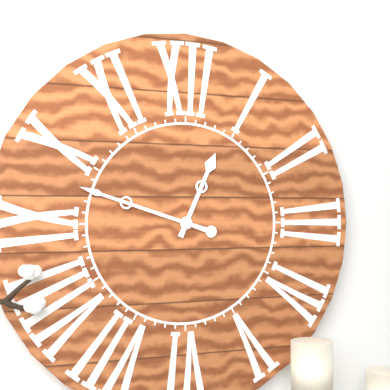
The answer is 12:48
